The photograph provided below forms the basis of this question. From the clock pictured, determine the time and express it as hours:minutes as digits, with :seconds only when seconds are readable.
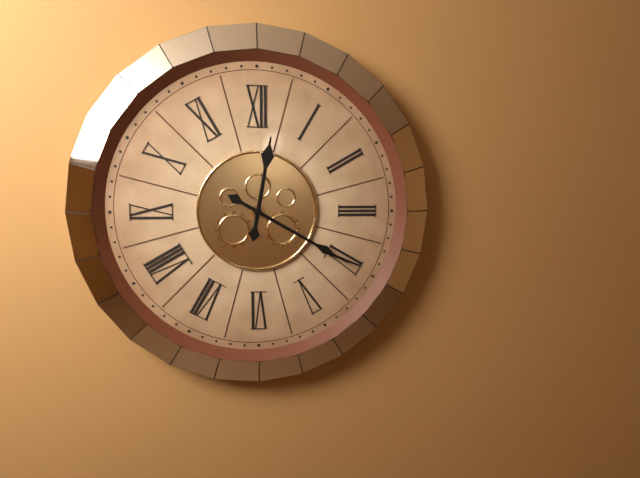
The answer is 12:20
